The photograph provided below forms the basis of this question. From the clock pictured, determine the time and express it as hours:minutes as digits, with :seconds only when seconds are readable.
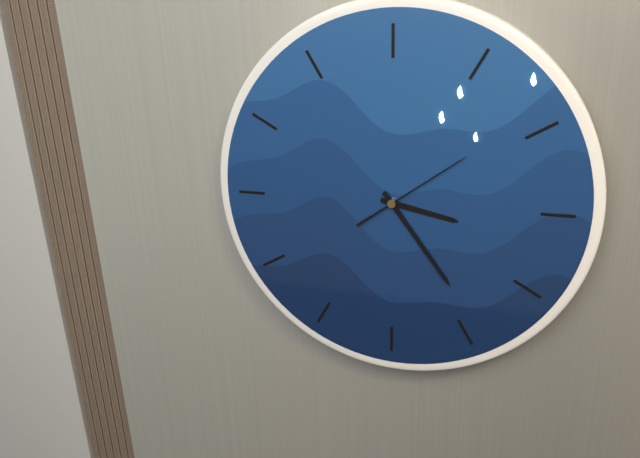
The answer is 3:24:09
